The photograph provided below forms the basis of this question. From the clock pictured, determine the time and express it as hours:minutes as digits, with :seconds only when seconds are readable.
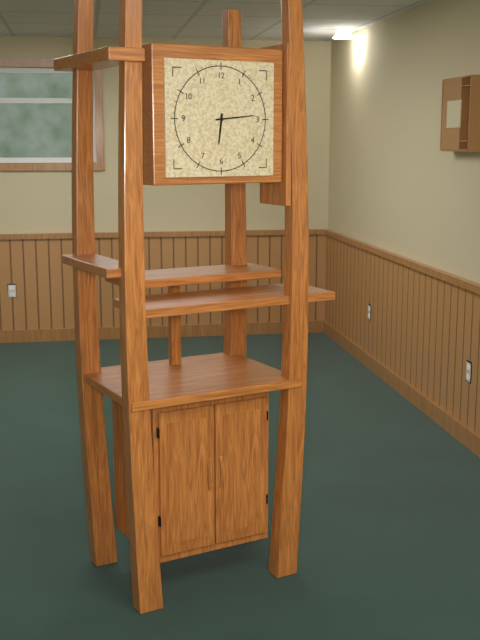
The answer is 6:14
